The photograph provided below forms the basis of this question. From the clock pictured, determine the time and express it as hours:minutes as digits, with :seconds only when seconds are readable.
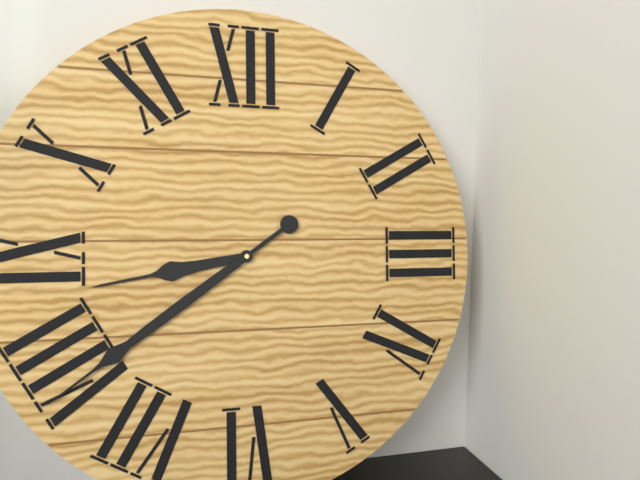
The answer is 8:39
